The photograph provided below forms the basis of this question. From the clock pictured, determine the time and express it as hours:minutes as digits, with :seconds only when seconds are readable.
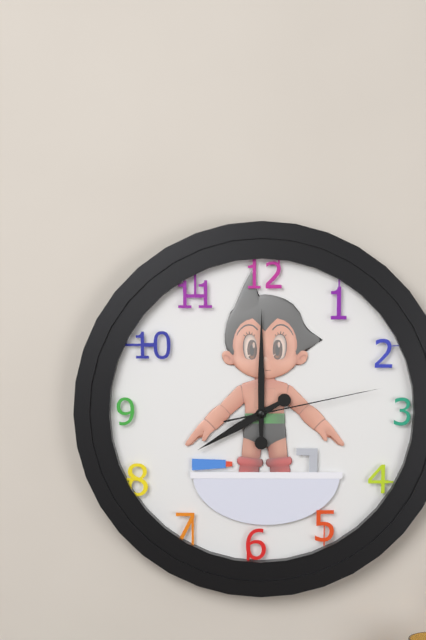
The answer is 8:00:13
